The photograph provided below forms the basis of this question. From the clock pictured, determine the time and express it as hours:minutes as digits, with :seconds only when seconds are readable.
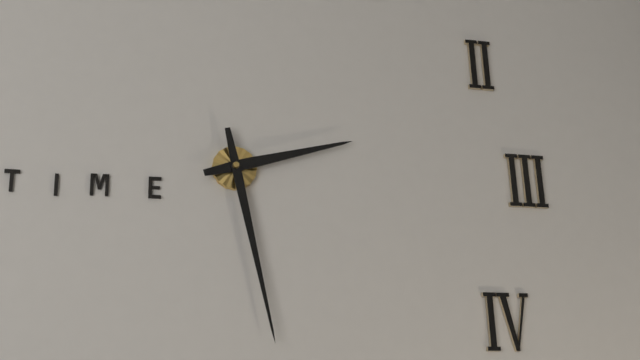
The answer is 2:28
